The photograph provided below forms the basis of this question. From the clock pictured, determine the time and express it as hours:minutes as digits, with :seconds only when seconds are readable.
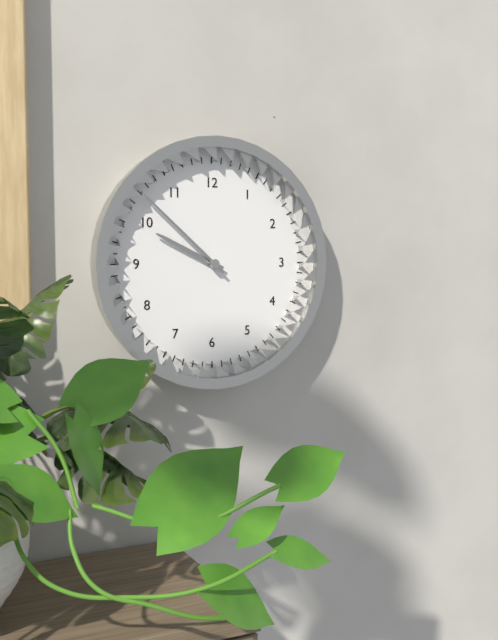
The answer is 9:52
